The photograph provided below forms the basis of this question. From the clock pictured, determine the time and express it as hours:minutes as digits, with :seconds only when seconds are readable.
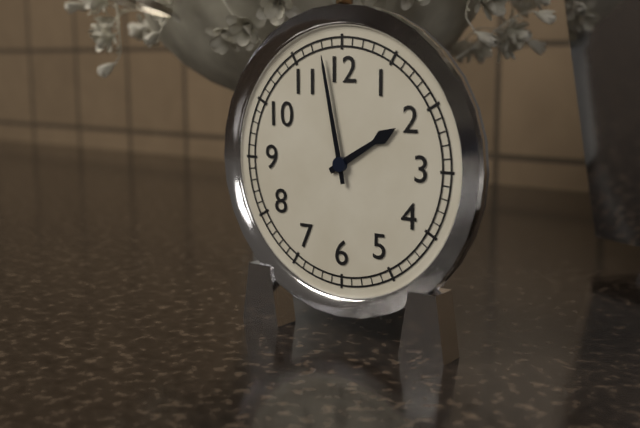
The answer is 1:58
